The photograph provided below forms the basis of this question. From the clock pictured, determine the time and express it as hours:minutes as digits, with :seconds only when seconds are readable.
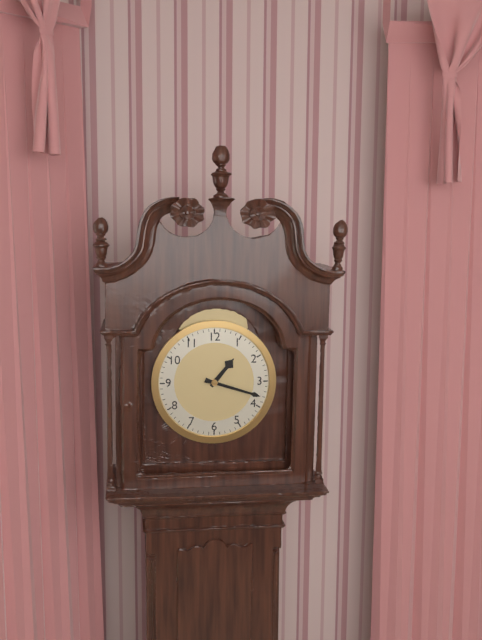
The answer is 1:18
